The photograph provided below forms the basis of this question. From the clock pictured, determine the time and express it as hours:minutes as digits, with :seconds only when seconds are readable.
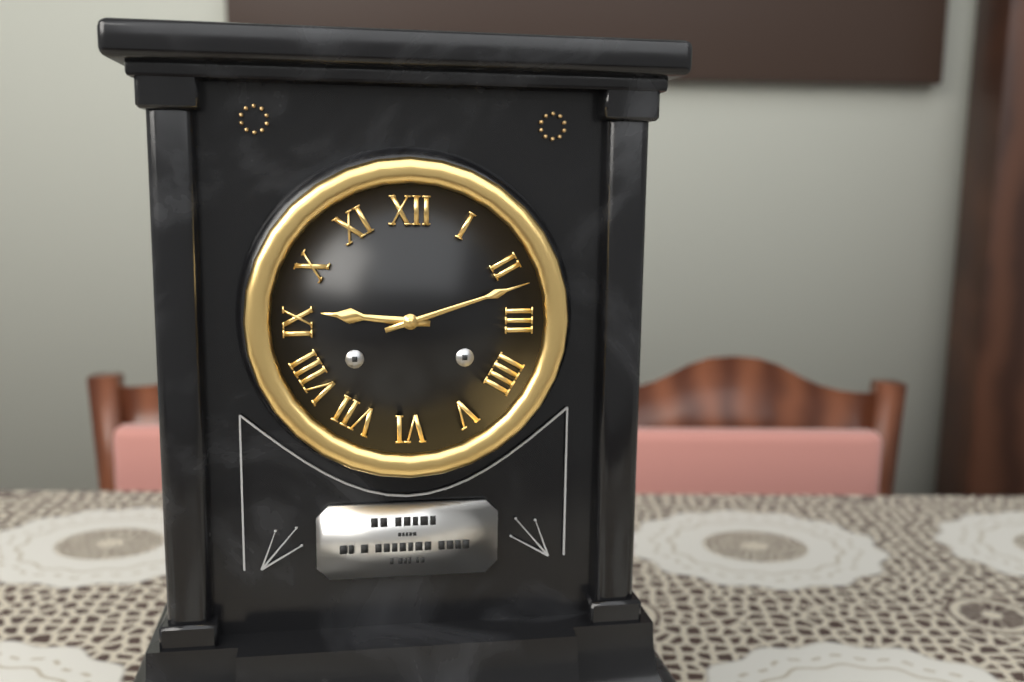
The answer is 9:12
